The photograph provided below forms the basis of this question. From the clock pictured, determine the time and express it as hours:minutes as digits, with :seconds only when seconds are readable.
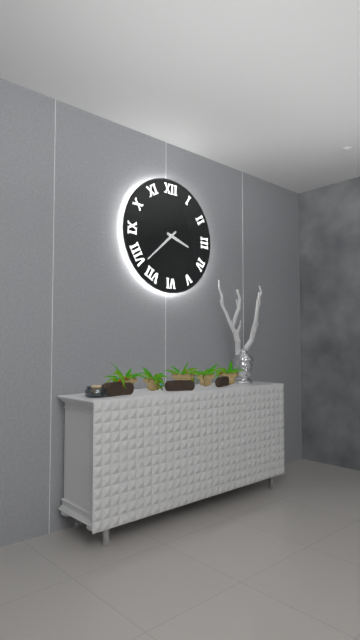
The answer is 3:38
